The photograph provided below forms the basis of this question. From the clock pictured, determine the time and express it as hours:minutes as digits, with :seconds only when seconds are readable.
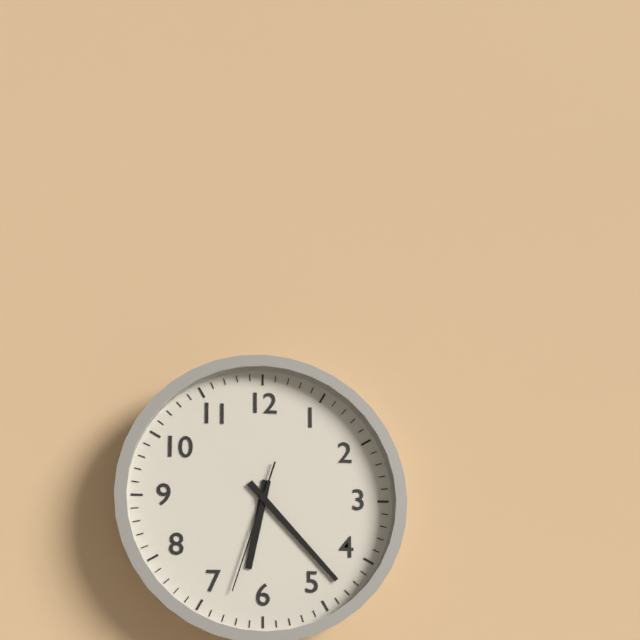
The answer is 6:23:33
